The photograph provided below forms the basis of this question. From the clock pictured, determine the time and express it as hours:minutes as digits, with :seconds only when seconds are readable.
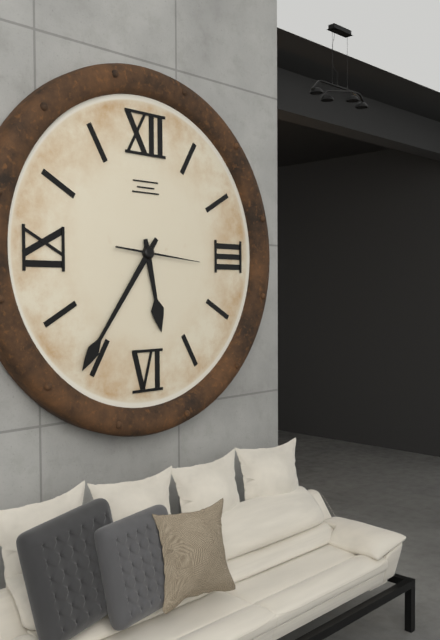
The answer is 5:36:16
